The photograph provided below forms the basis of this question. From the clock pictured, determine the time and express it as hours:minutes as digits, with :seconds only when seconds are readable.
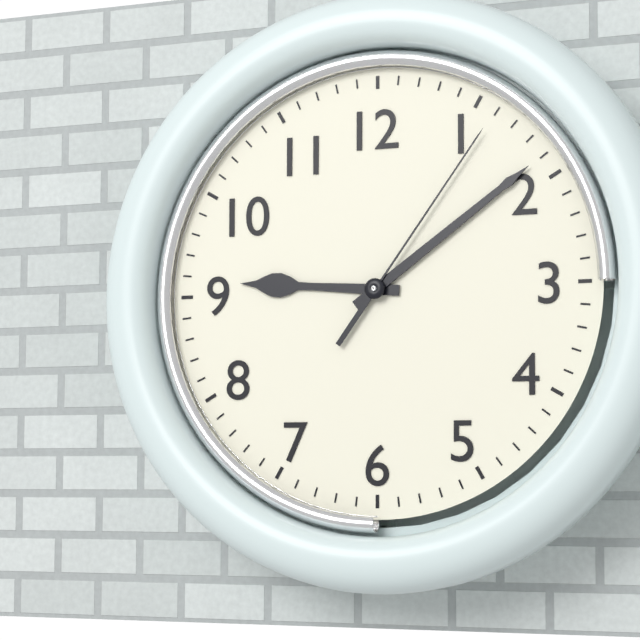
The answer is 9:09:06
